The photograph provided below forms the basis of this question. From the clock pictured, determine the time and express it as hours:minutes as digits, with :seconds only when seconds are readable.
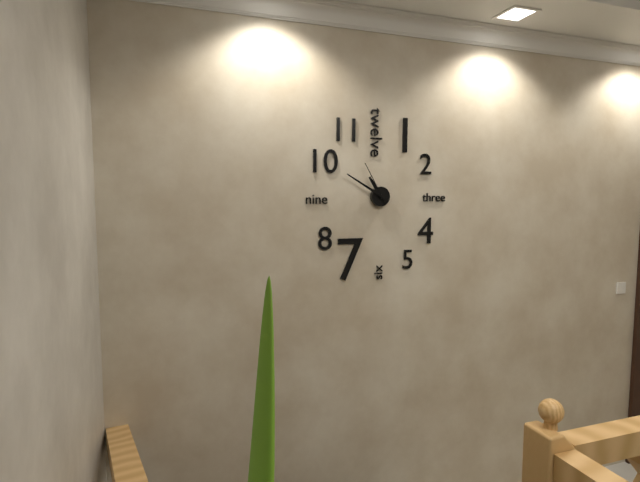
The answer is 10:50
